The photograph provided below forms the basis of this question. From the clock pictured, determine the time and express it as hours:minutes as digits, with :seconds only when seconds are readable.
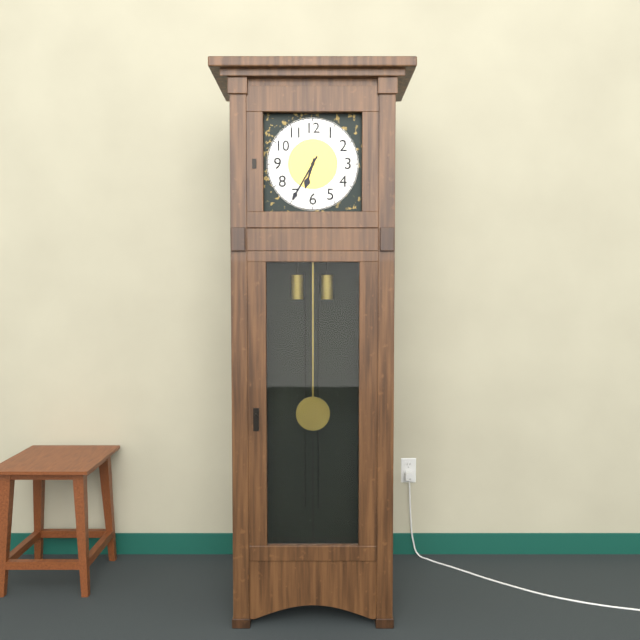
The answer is 6:35
